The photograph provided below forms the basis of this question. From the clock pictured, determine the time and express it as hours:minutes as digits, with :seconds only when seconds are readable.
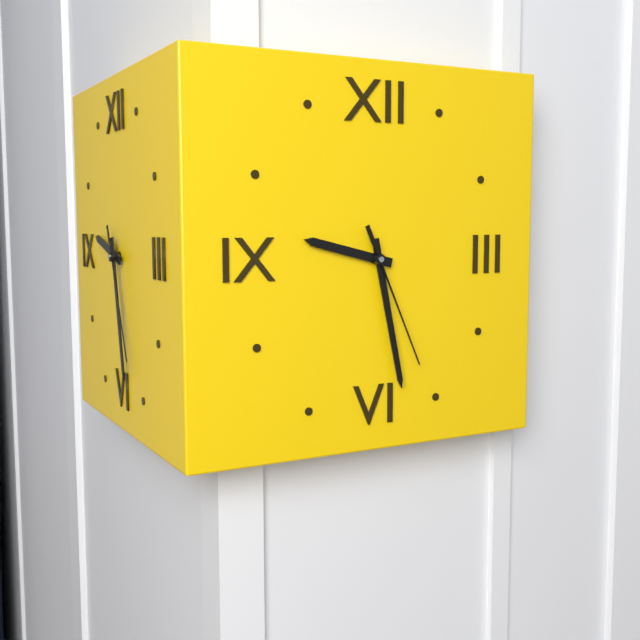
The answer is 9:28:26
